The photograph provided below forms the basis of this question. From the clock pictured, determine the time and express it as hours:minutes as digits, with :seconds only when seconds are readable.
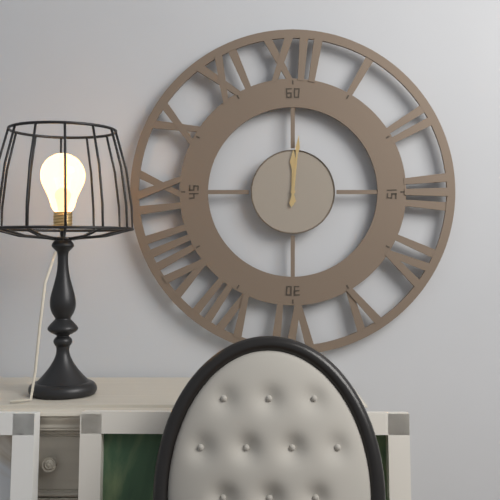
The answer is 12:01
